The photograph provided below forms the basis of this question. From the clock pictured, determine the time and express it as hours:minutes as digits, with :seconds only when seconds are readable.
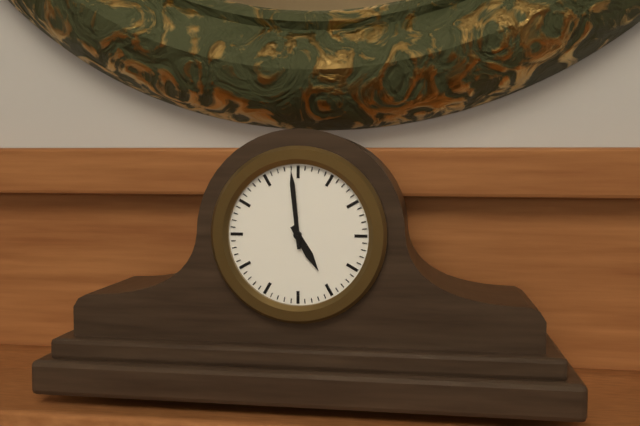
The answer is 4:59
